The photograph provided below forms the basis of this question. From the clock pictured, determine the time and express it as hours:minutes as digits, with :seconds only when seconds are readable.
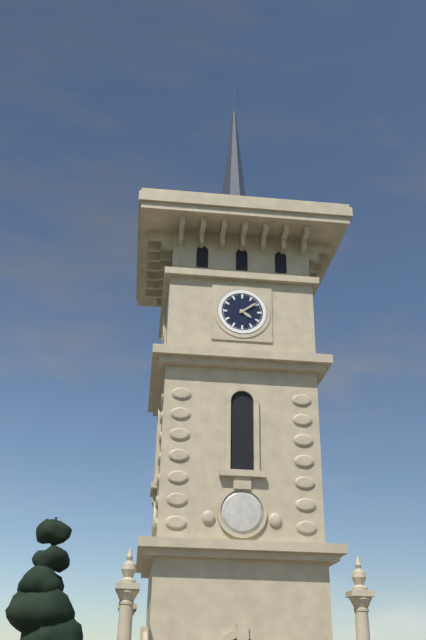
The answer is 4:09
